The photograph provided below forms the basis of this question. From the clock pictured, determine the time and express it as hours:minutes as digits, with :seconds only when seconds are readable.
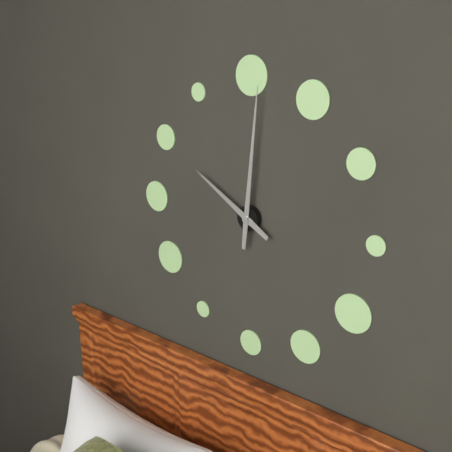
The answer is 10:01
